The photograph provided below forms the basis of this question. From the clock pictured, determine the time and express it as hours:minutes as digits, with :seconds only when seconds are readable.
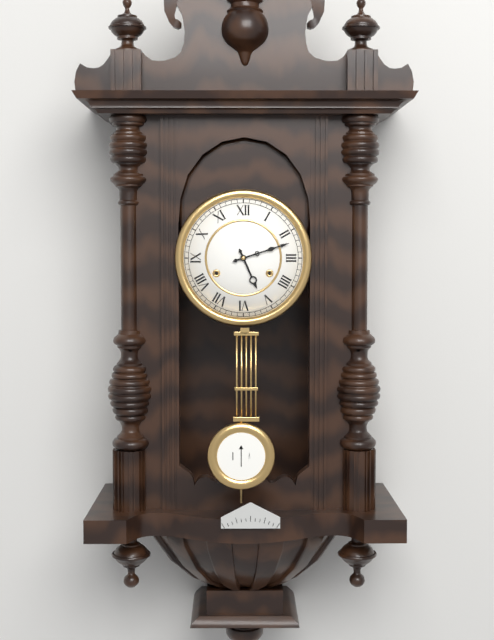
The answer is 5:12
